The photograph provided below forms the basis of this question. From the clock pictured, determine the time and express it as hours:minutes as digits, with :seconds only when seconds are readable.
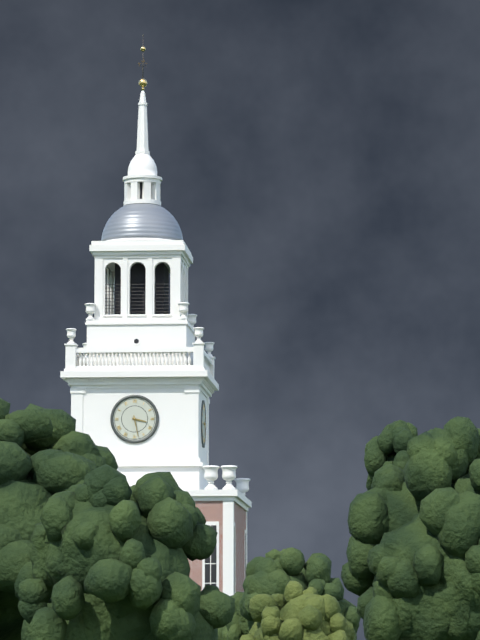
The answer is 3:28
